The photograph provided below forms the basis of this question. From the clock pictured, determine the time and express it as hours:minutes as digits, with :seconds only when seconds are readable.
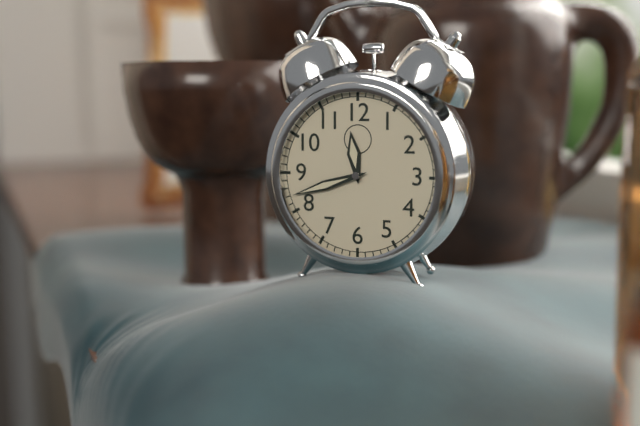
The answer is 11:42
